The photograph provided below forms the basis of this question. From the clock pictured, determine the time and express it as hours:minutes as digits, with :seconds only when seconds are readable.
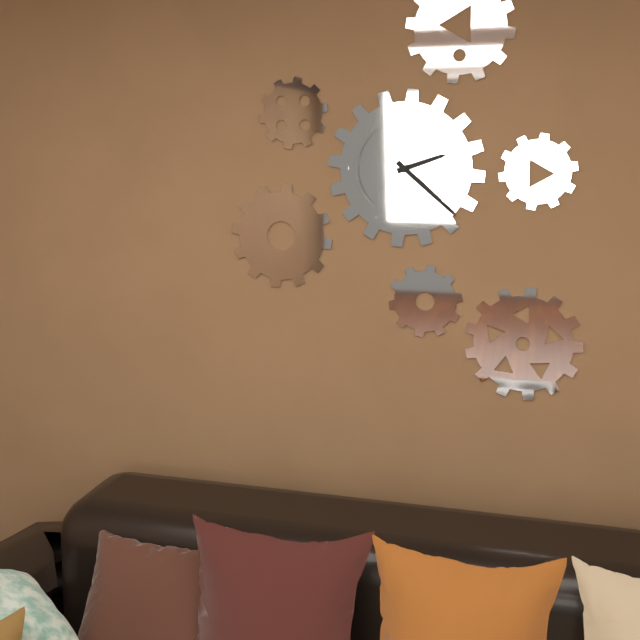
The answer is 2:22
